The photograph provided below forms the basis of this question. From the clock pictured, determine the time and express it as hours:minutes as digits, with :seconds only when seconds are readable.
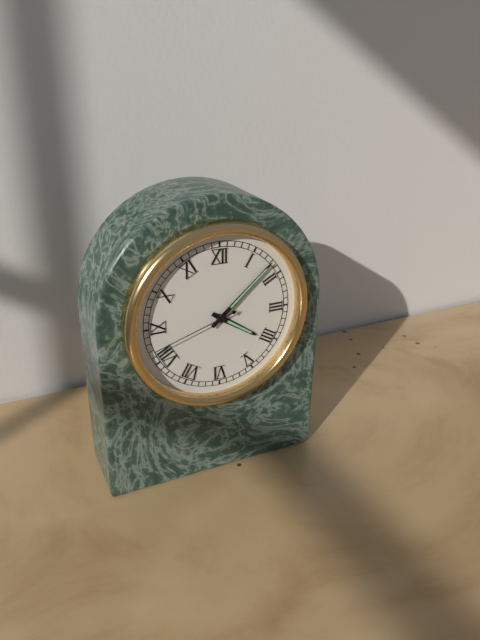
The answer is 4:08:42
